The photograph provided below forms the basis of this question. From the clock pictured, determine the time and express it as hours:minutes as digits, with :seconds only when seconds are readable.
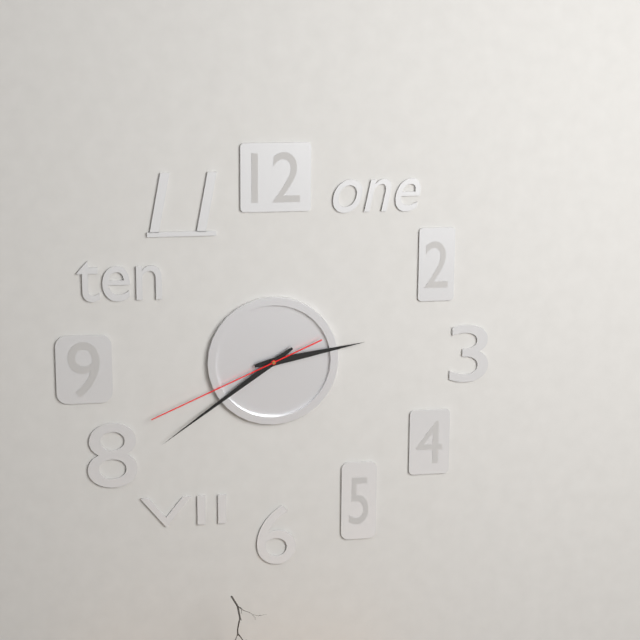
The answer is 2:39:41
